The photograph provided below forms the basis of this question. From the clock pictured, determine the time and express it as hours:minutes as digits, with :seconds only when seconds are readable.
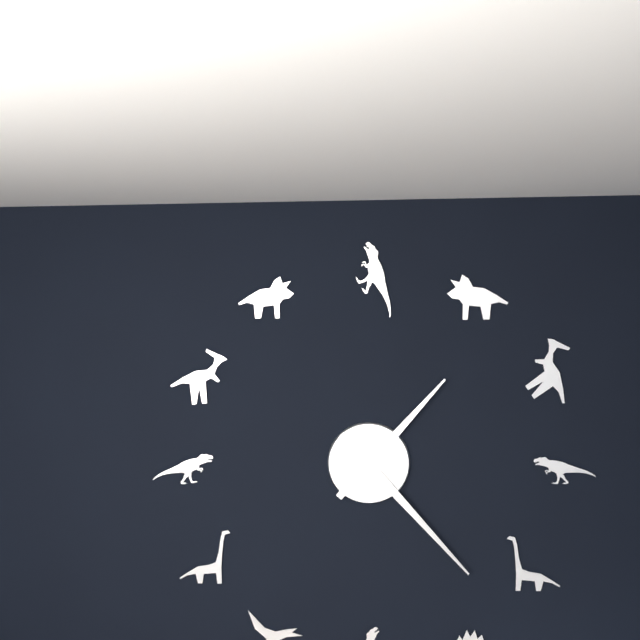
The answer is 1:23
